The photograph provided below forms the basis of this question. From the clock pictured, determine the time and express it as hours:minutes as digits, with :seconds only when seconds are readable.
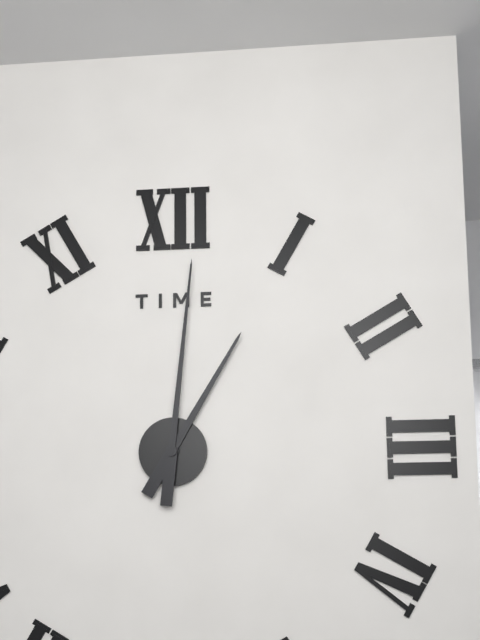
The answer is 1:01
